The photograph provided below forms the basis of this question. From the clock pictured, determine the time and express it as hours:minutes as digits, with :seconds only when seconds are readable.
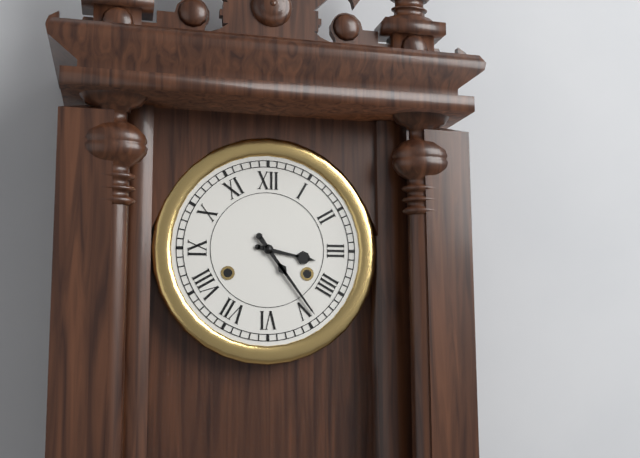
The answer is 3:24
